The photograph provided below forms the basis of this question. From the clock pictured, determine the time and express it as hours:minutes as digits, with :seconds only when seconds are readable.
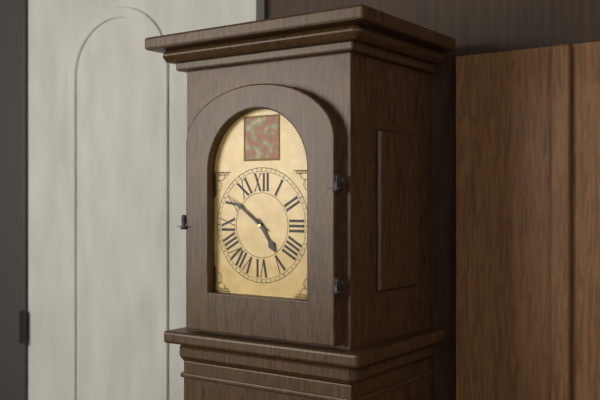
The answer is 4:51
